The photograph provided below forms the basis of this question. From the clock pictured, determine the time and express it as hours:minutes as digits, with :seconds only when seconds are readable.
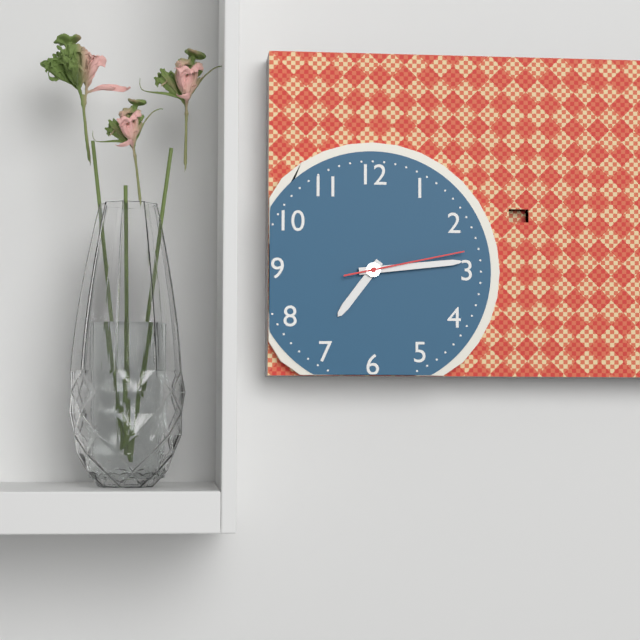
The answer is 7:14:13
